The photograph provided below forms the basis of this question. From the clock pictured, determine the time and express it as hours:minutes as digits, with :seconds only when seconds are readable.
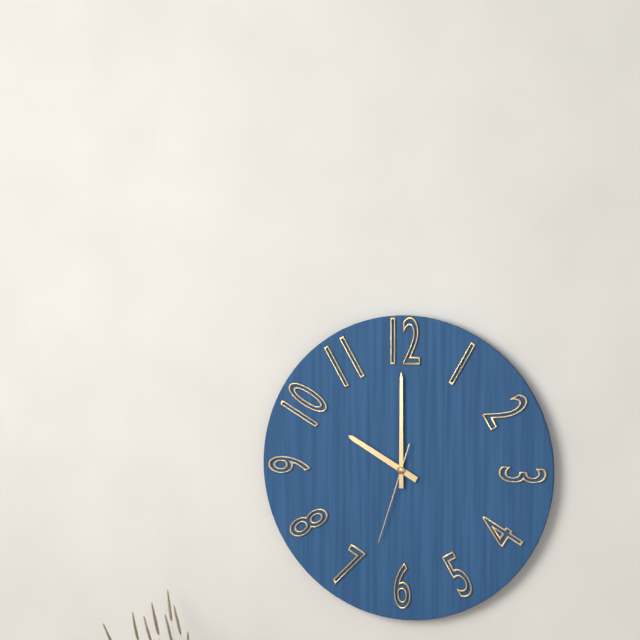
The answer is 10:00:33
